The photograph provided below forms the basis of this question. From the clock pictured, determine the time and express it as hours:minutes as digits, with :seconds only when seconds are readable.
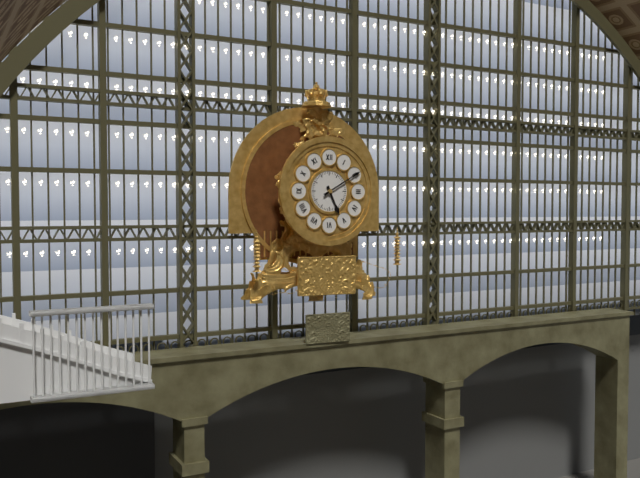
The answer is 5:10
